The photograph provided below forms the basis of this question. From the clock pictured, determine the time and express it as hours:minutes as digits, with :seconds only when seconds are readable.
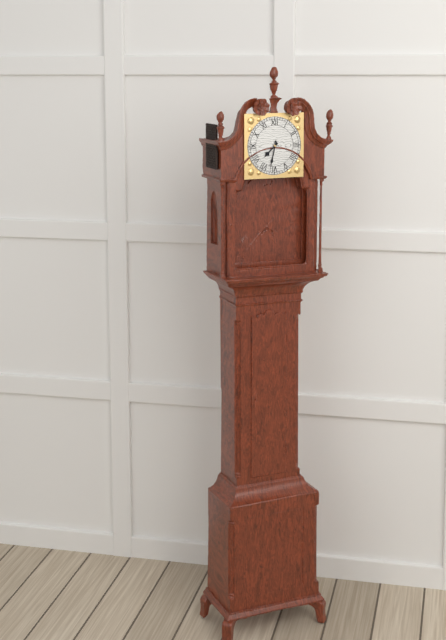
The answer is 7:32
